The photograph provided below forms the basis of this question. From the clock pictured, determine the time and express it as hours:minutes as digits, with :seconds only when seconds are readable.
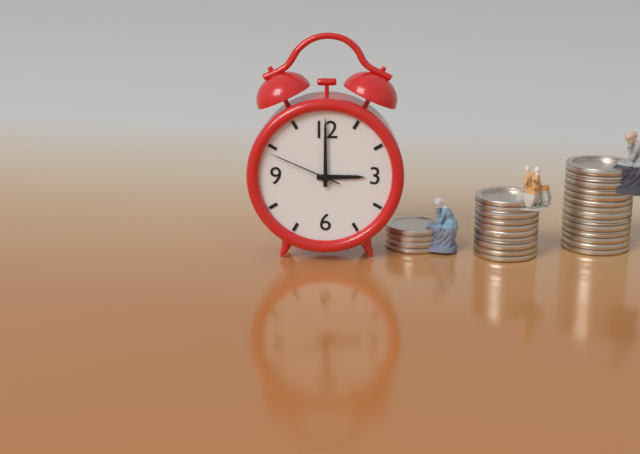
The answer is 3:00:49
